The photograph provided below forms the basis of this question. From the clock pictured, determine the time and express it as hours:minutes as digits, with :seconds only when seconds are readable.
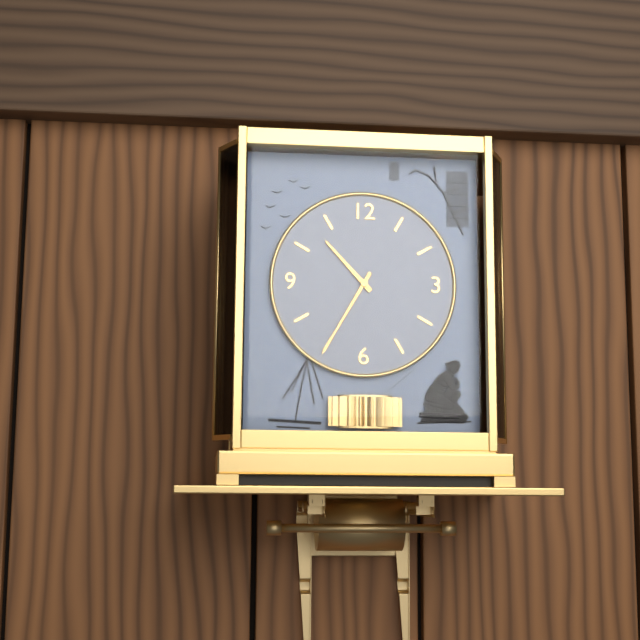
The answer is 10:35
